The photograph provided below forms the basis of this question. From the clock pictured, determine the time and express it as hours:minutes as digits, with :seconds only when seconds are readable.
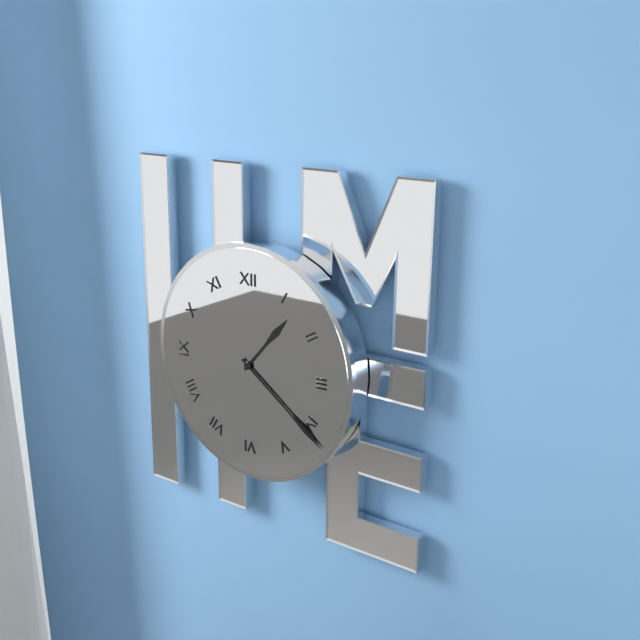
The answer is 1:21
